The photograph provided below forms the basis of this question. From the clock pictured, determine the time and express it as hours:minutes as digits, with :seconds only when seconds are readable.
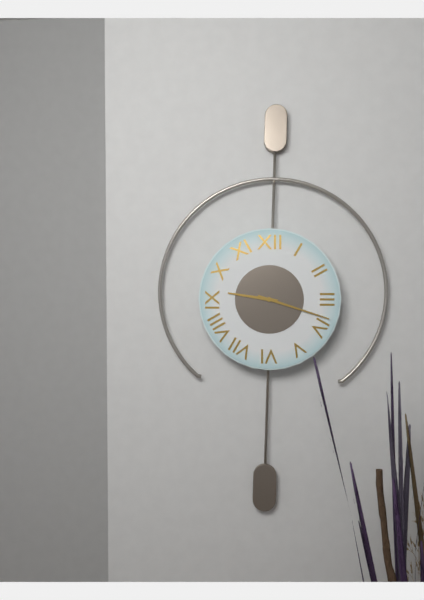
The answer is 9:18
